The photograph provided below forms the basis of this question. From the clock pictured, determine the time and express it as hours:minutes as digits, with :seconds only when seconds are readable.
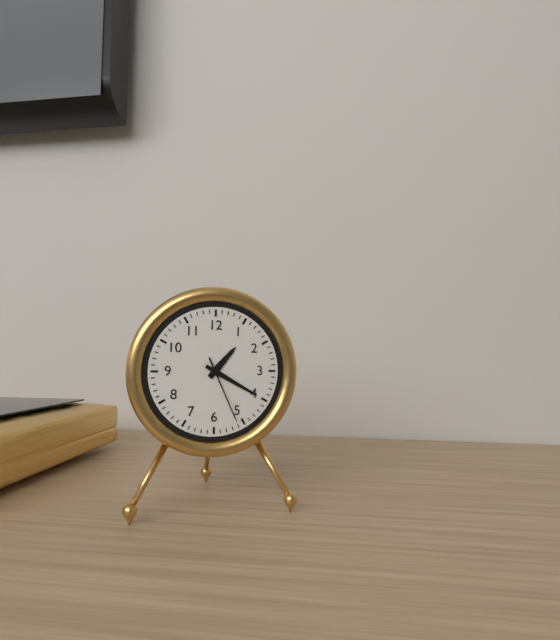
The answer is 1:20:26
